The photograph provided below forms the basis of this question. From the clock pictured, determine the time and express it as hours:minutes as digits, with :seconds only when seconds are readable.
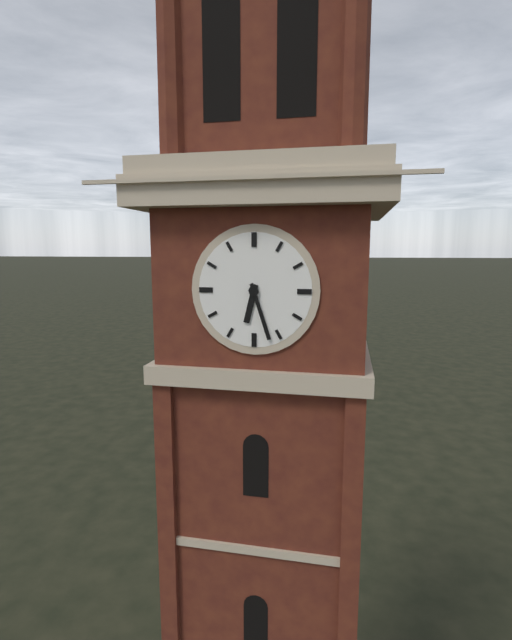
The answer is 6:27
